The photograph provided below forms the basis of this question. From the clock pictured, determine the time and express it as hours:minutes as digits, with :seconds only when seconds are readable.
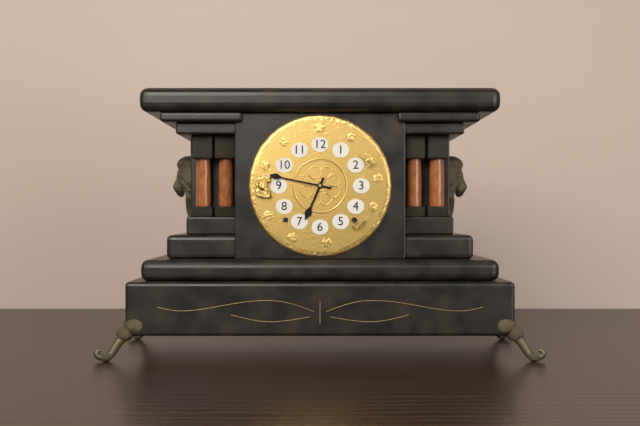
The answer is 6:47
